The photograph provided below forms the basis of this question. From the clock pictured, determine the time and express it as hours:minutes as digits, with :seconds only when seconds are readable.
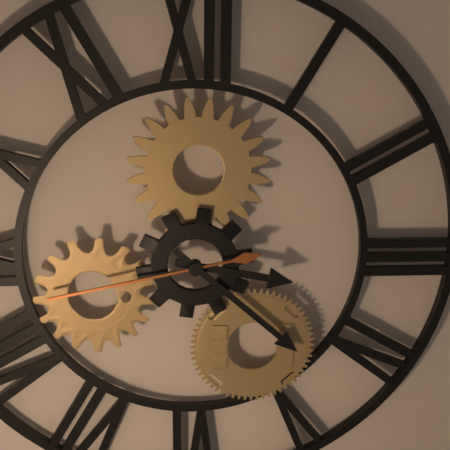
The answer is 3:22:43
